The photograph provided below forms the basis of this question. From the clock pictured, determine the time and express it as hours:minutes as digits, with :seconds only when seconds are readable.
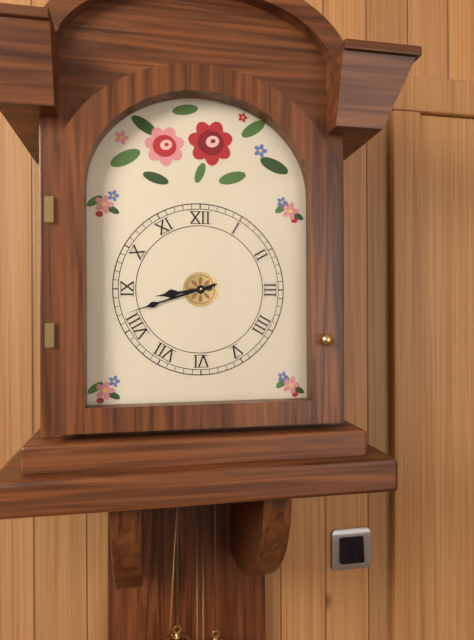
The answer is 8:42
